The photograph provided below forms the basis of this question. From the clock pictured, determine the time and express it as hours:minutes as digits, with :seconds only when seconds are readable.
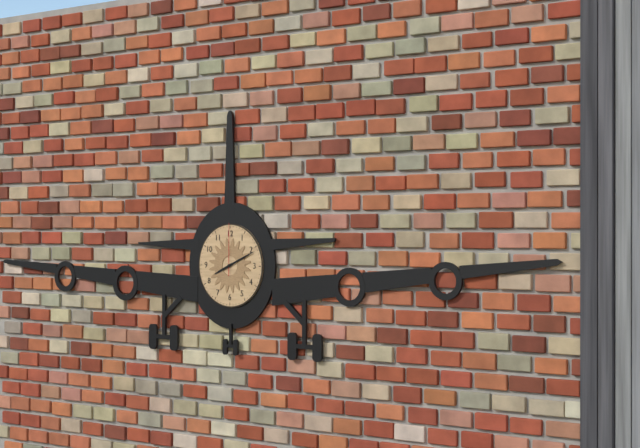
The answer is 8:11:00
